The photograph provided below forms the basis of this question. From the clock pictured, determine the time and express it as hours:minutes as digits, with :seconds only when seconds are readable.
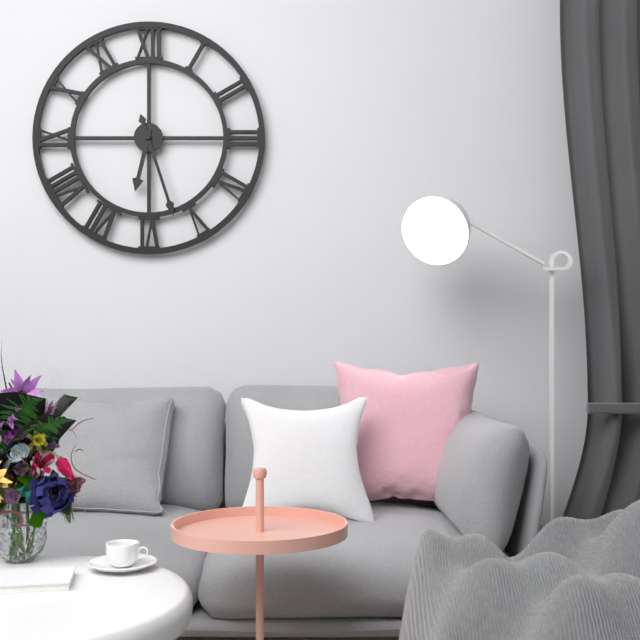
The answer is 6:27
